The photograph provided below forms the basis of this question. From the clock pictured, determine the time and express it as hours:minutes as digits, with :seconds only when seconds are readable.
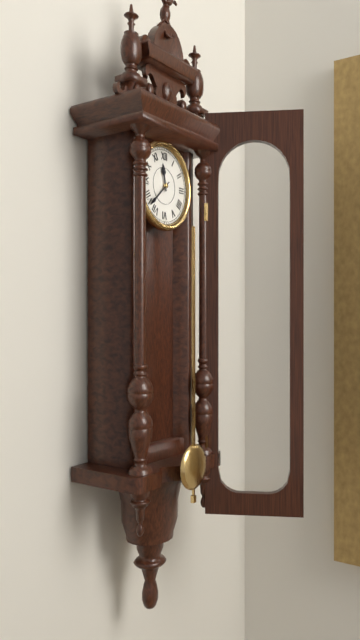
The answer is 11:38
